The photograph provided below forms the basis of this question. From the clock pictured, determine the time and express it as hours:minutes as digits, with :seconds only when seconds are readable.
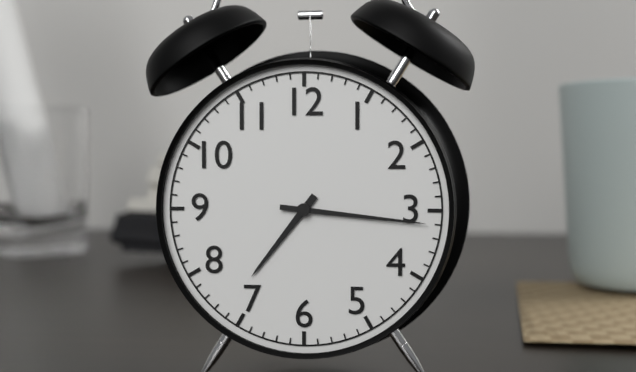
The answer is 7:16
